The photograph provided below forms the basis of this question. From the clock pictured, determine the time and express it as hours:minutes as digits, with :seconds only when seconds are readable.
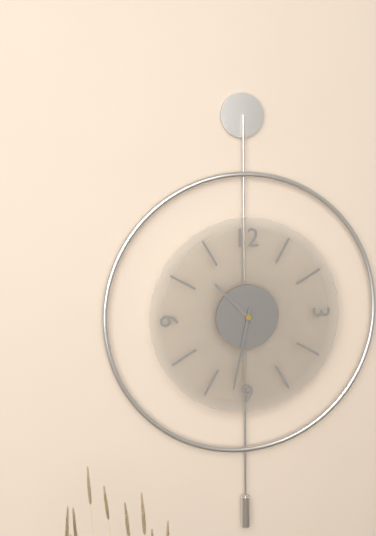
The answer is 10:32
